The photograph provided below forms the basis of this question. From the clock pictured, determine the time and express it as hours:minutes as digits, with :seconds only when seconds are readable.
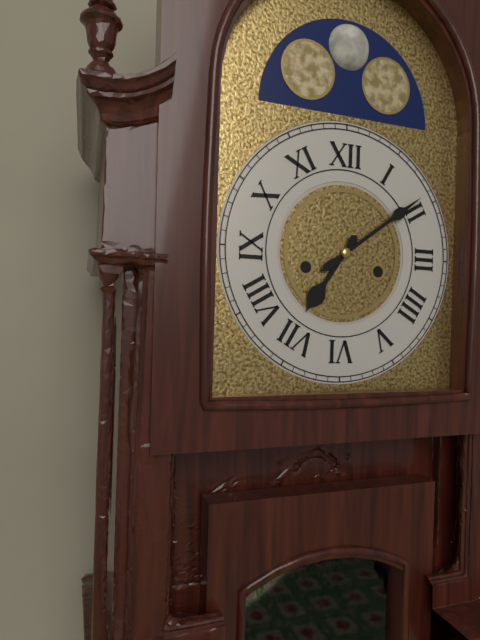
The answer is 7:09
